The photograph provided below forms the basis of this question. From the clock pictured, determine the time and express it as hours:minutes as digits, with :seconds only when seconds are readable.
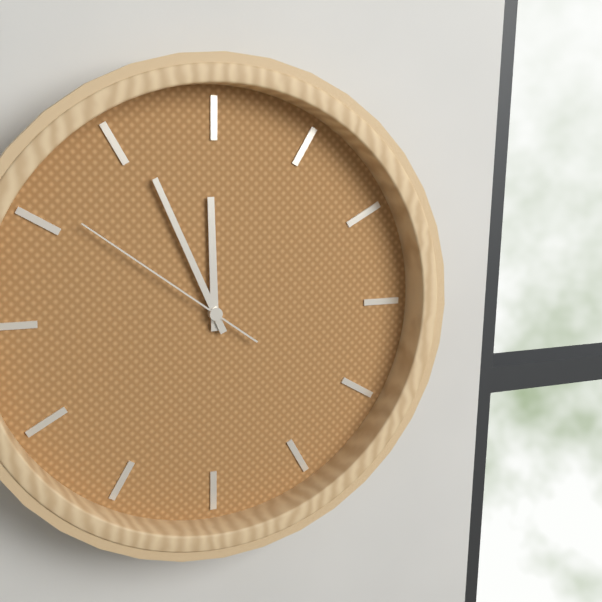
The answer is 11:56:51
